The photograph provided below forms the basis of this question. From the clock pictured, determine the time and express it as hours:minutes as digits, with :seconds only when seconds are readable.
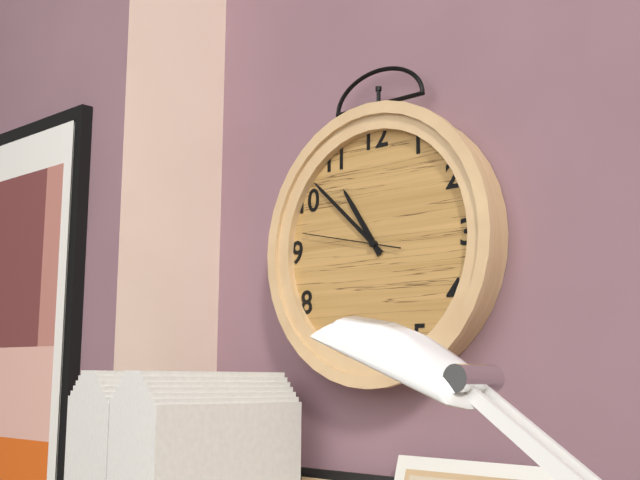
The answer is 10:52:47
